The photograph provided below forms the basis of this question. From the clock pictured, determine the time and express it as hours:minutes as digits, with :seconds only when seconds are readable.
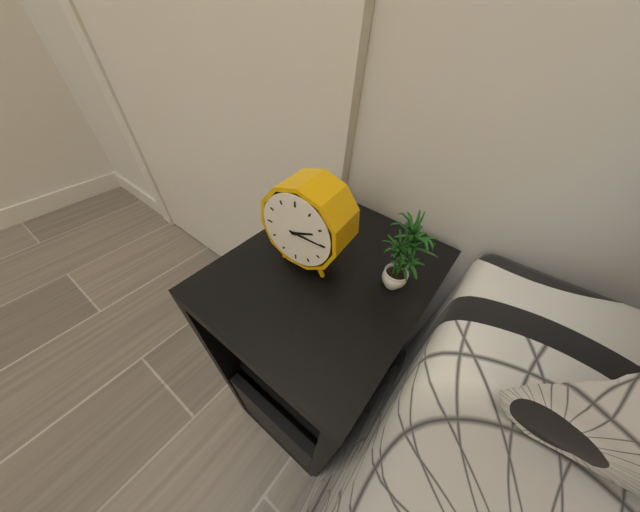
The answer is 2:15
